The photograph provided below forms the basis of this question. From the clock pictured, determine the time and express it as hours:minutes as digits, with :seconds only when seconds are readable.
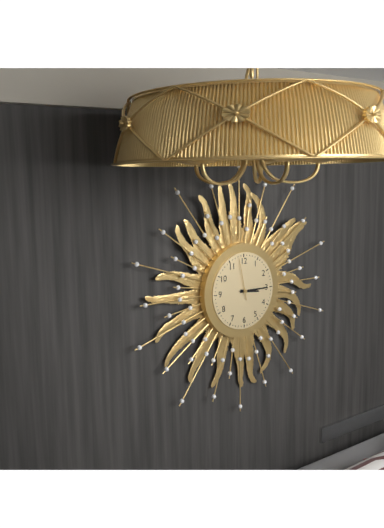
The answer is 3:15
